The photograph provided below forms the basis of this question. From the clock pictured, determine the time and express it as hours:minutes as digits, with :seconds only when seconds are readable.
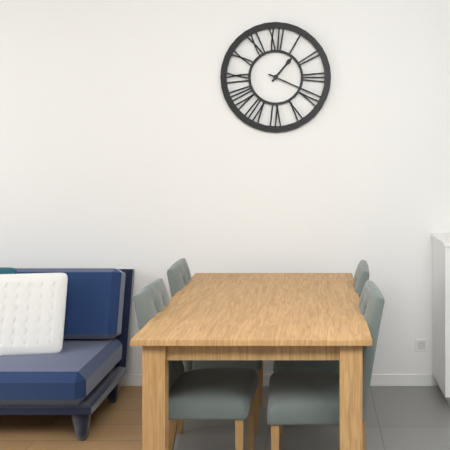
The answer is 1:19
